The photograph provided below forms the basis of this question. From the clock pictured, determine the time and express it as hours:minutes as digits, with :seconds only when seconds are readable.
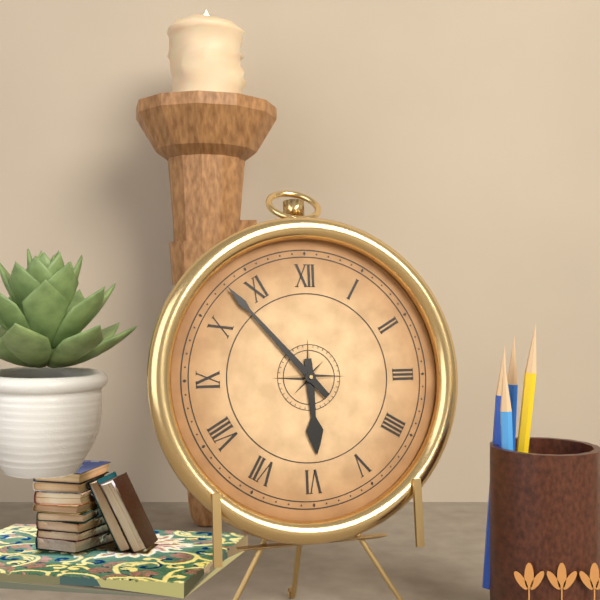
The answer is 5:53
